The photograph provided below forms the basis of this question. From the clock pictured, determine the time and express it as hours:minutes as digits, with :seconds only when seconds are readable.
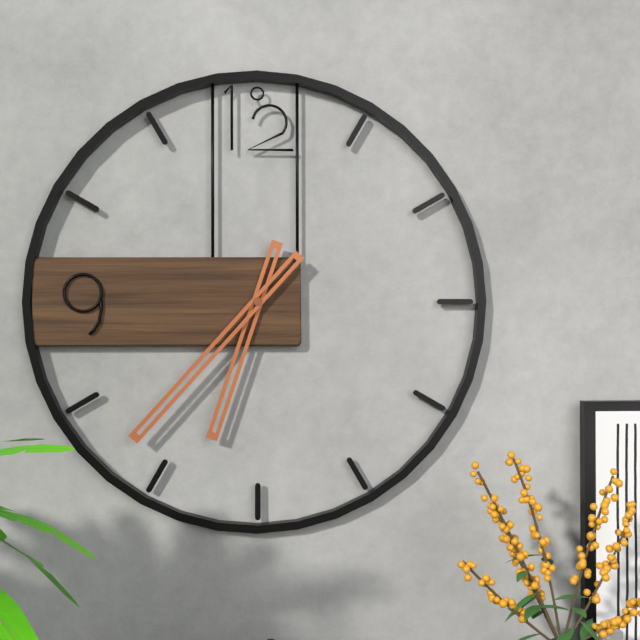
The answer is 6:37
